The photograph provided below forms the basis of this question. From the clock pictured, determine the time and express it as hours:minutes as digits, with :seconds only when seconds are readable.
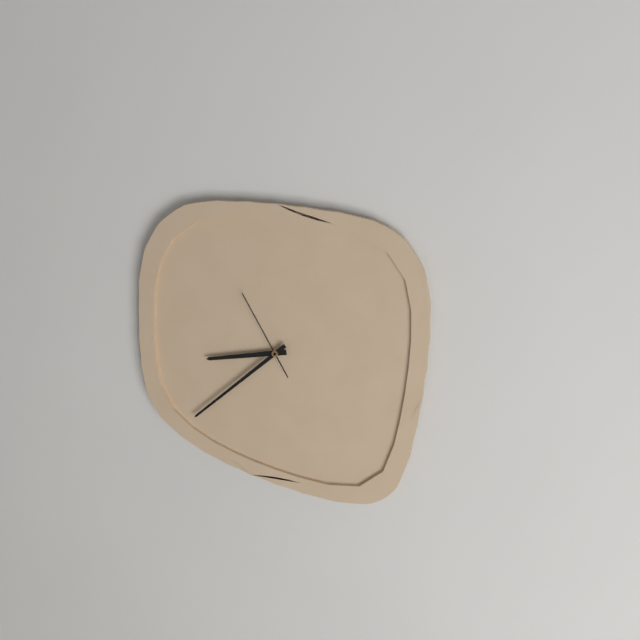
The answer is 8:38:55
